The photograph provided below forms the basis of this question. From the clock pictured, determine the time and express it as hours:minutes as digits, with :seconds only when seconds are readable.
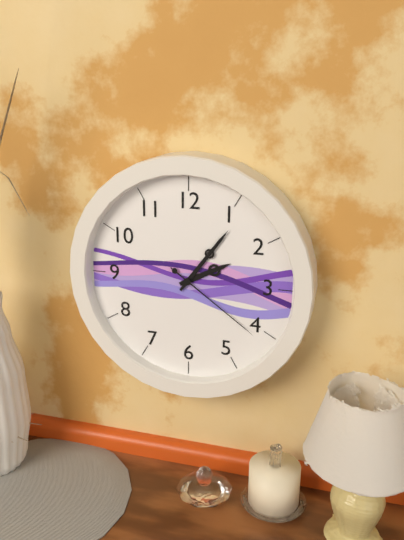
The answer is 2:06:21
